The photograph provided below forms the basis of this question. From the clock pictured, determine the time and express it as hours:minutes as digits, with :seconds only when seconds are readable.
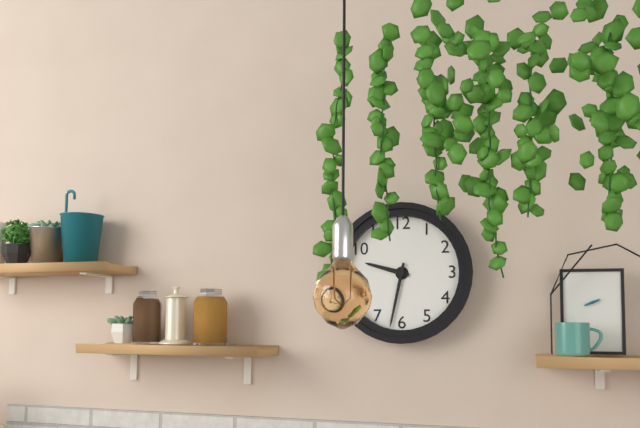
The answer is 9:32
